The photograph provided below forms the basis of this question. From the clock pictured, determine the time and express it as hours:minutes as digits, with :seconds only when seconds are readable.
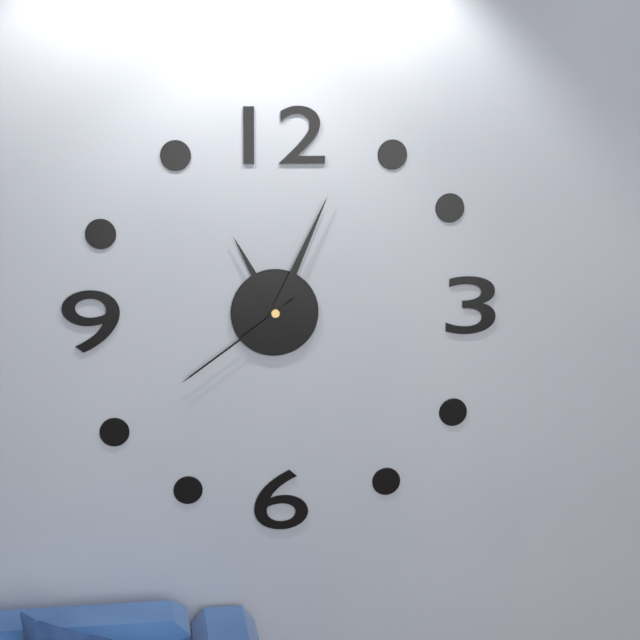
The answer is 11:04:39
